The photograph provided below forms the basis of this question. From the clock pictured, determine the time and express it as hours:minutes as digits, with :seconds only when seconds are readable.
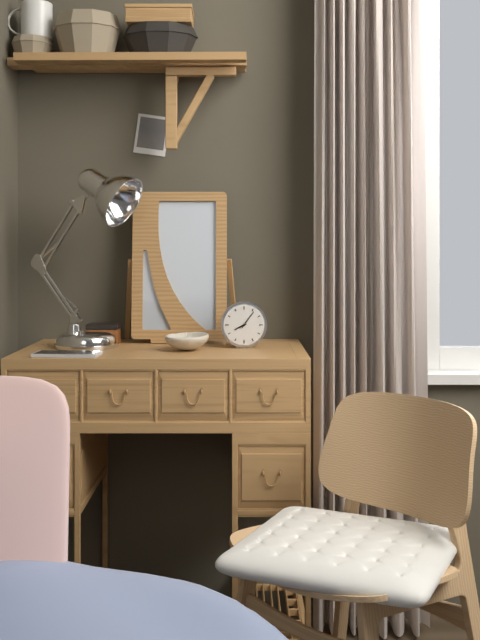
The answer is 8:06
